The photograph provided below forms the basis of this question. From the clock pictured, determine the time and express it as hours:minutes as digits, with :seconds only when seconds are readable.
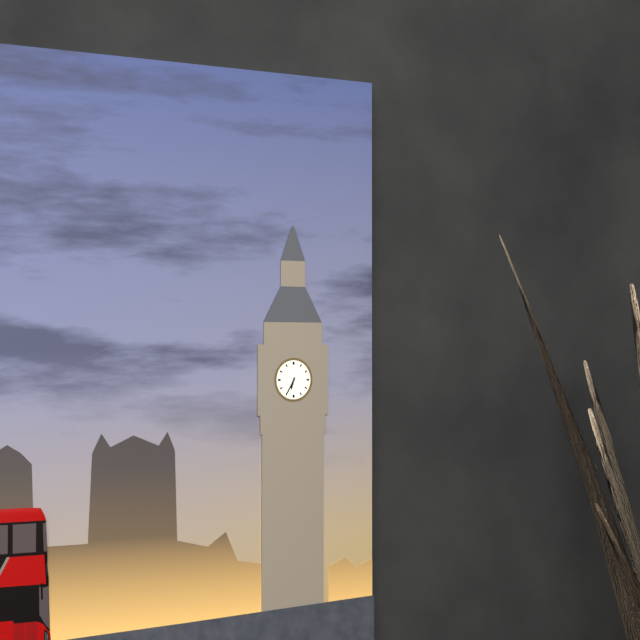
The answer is 6:35
